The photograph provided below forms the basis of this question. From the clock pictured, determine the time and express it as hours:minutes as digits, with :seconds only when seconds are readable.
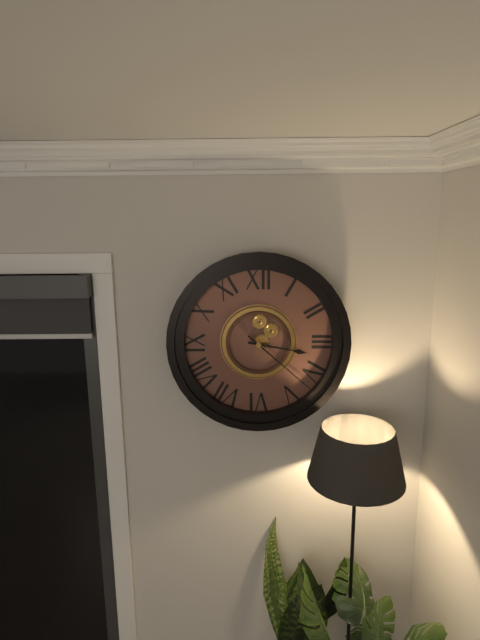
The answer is 3:22
